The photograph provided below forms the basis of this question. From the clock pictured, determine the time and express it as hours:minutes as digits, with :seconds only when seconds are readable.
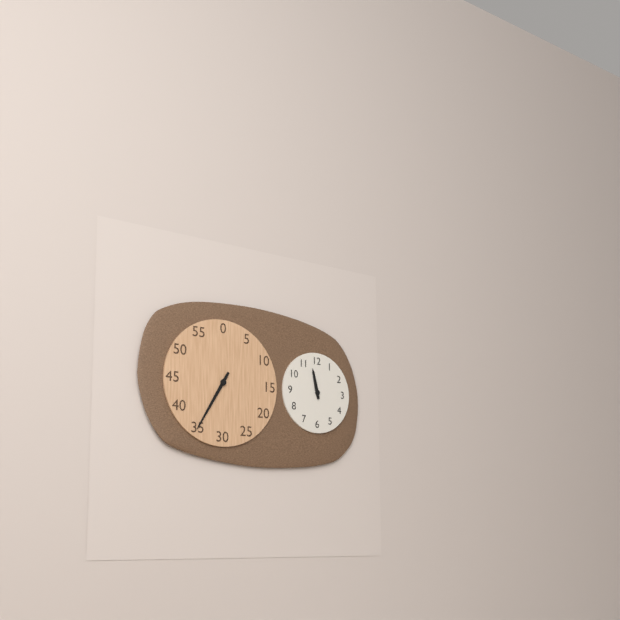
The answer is 11:35
